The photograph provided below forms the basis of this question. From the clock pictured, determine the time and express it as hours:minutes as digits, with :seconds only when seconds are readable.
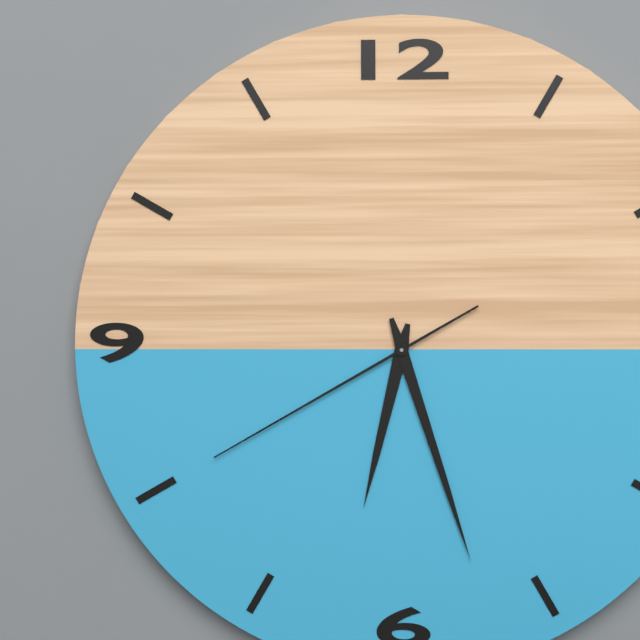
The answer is 6:27:40
